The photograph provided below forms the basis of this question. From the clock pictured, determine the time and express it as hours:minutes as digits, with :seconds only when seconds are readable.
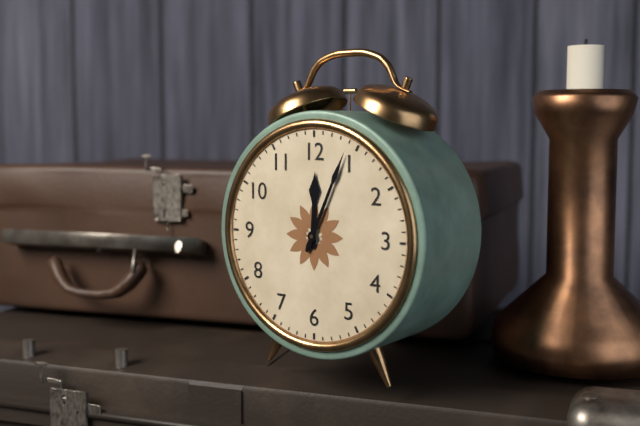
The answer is 12:04
